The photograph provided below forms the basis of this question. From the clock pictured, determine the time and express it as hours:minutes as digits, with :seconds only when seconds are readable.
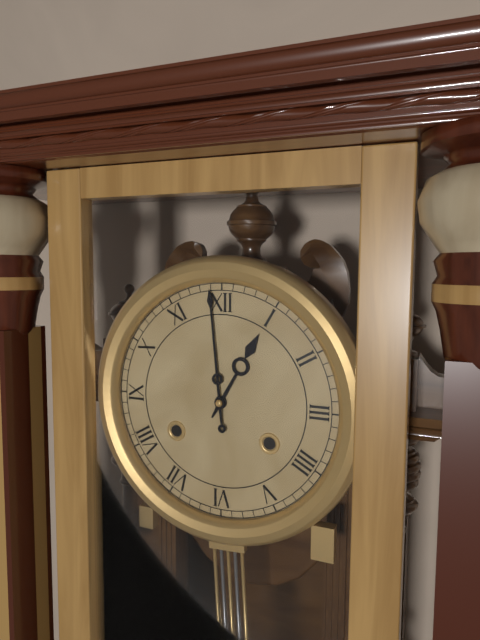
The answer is 12:59
